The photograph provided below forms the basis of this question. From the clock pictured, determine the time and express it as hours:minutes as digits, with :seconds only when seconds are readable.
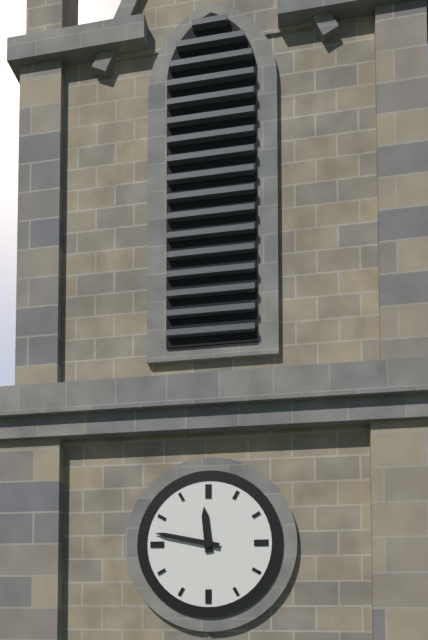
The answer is 11:47
